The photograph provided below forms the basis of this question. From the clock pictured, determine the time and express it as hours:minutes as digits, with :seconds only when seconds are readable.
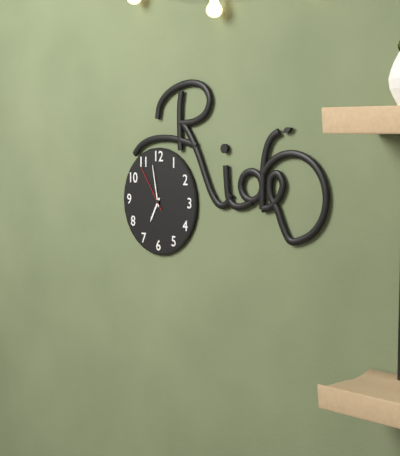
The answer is 6:58:54
